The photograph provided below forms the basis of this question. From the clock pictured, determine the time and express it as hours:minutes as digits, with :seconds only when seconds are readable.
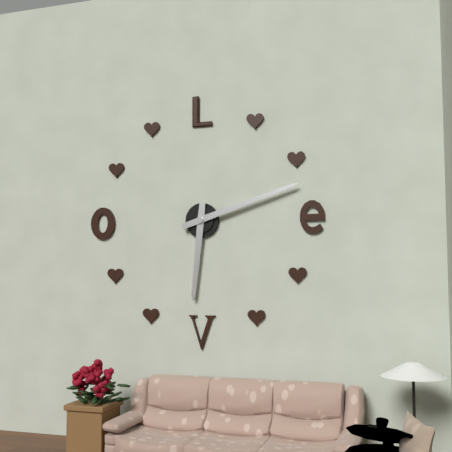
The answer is 6:12
